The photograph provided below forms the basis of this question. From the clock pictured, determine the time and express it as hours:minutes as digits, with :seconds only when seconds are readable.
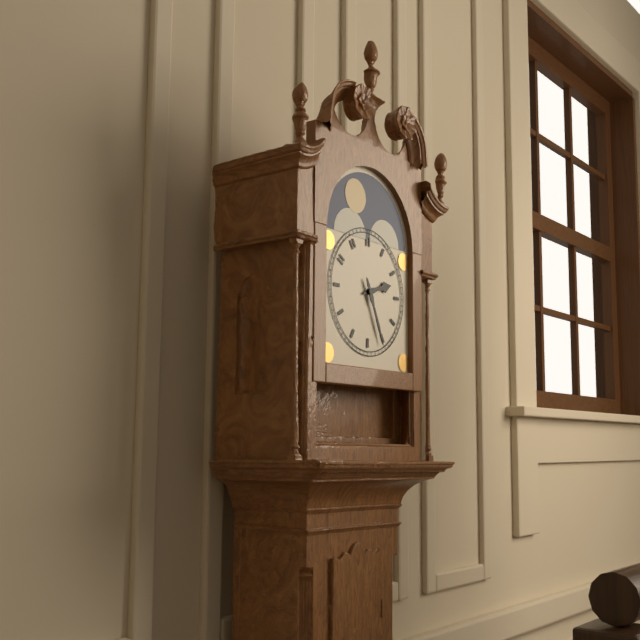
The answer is 2:26
